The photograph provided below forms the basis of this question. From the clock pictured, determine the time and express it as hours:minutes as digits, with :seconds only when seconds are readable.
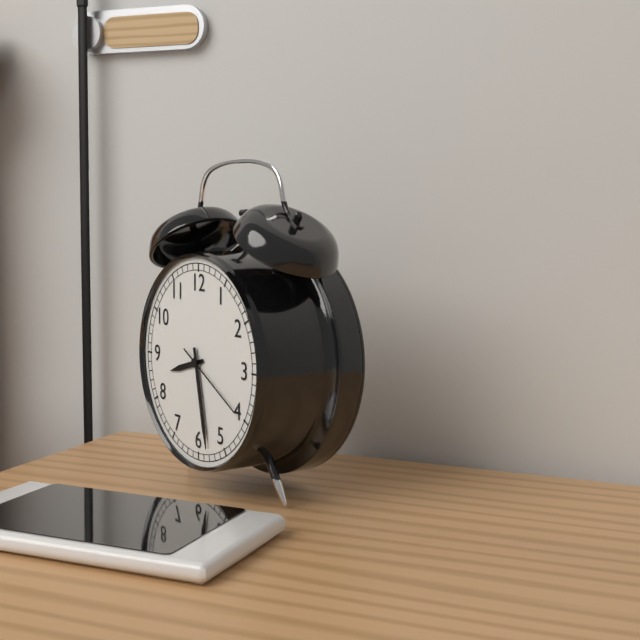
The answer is 8:28:20
